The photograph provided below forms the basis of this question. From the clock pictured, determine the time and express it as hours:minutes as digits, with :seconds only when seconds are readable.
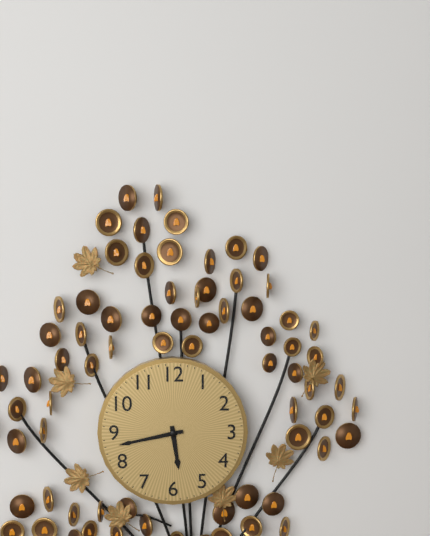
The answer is 5:43
